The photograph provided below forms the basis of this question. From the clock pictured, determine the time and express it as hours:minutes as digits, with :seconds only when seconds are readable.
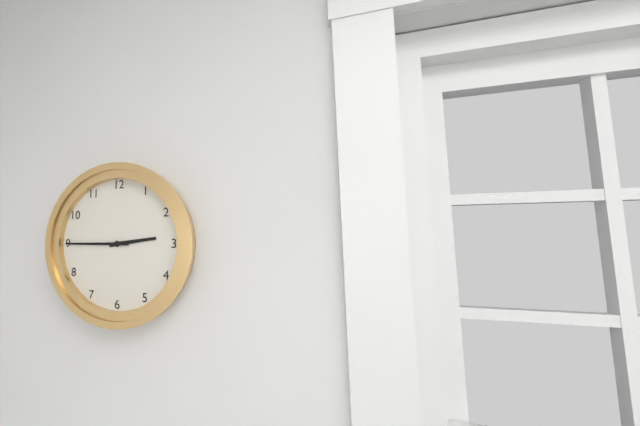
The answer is 2:45
